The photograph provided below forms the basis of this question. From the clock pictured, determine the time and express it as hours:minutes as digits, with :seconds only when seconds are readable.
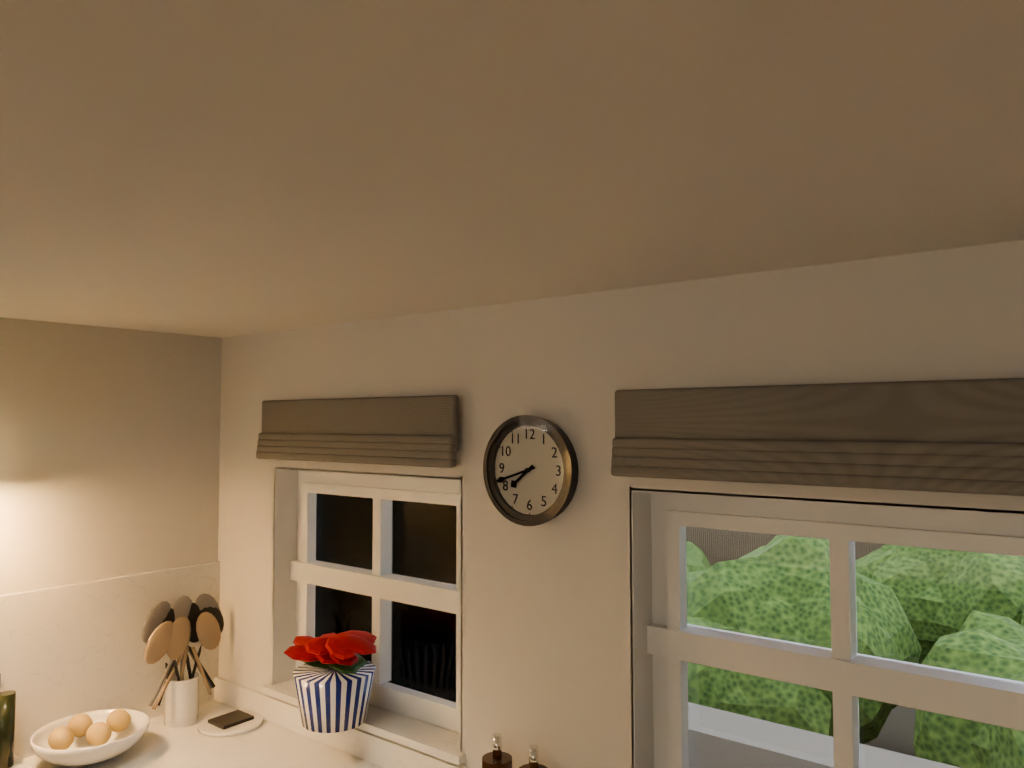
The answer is 7:42
